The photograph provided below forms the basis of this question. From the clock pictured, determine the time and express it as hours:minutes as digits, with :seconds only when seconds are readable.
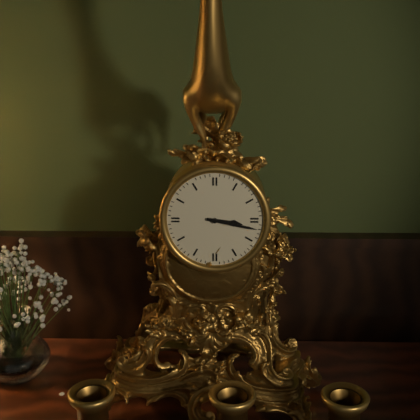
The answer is 3:17
